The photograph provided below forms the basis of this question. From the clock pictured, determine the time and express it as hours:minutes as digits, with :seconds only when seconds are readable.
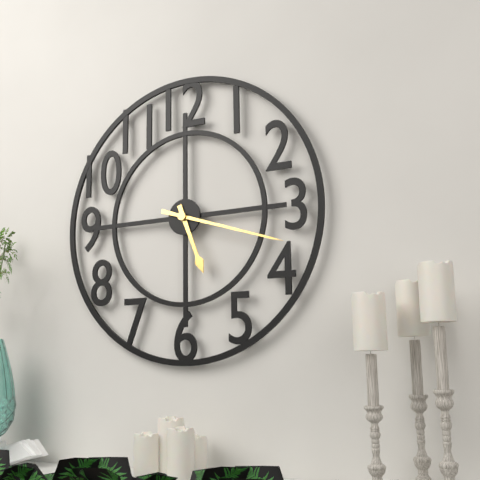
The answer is 5:18
